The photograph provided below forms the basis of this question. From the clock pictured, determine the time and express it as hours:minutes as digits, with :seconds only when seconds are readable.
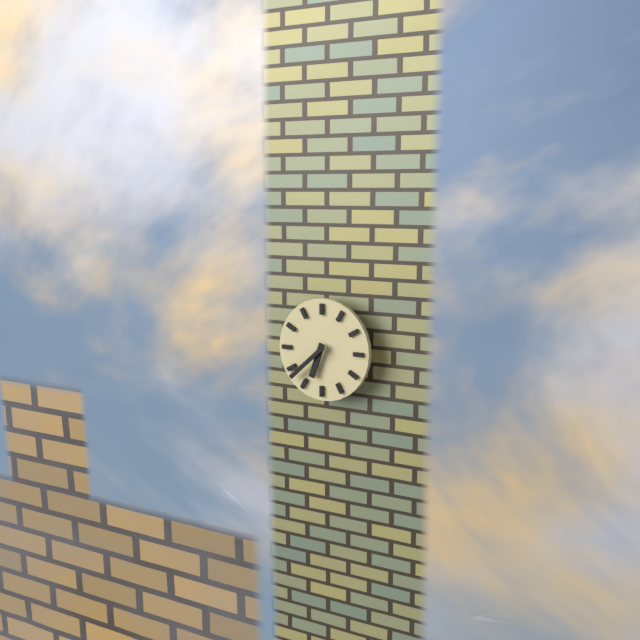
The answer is 6:38
